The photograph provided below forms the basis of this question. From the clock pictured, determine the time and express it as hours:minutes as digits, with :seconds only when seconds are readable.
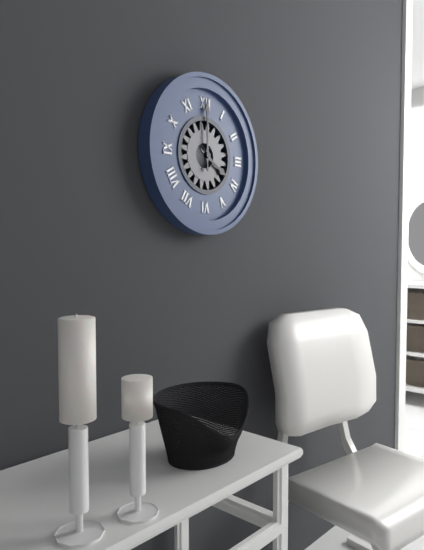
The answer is 4:00
